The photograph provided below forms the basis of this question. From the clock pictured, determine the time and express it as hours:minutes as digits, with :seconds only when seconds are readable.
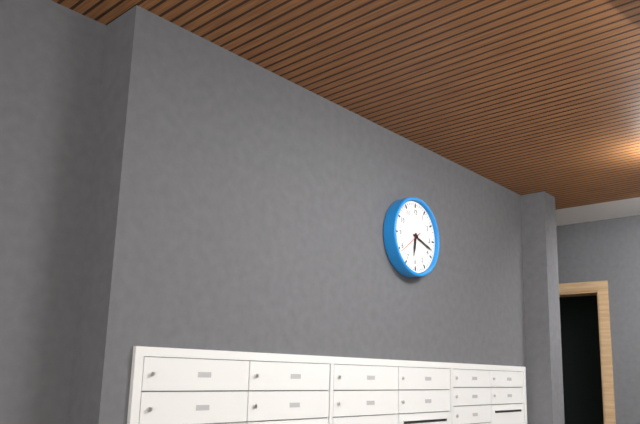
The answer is 6:18
